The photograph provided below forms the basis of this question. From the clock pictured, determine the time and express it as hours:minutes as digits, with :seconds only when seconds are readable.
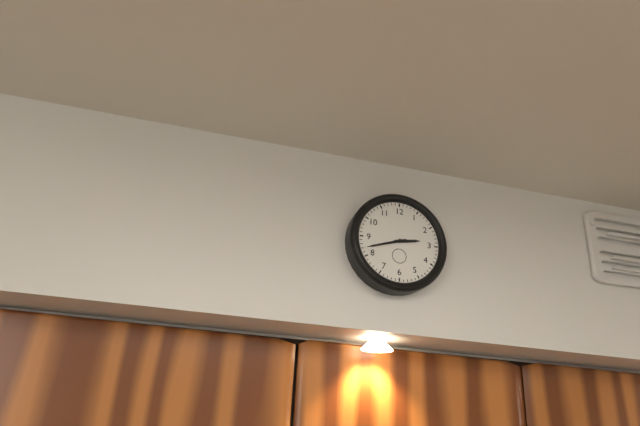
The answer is 2:42
